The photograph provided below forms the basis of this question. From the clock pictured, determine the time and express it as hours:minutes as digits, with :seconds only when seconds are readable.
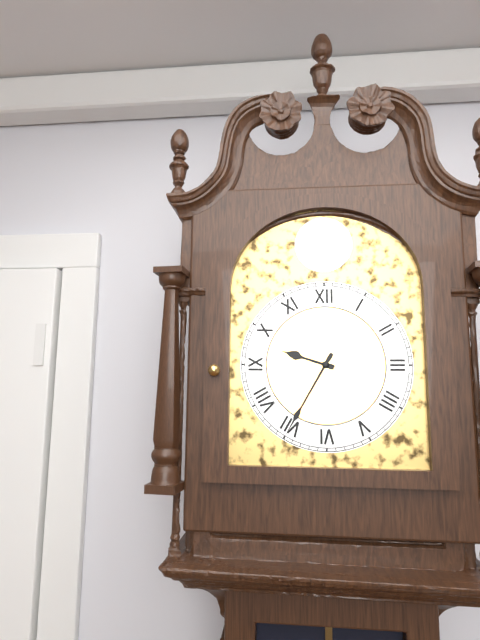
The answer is 9:35
